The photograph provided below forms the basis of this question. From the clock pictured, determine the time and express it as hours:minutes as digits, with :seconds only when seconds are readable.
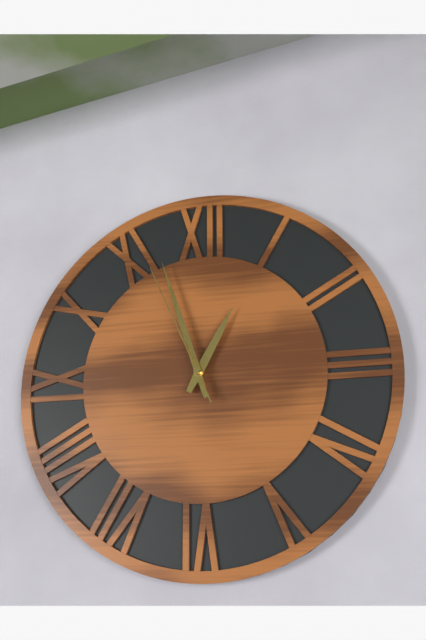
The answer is 12:57:56
